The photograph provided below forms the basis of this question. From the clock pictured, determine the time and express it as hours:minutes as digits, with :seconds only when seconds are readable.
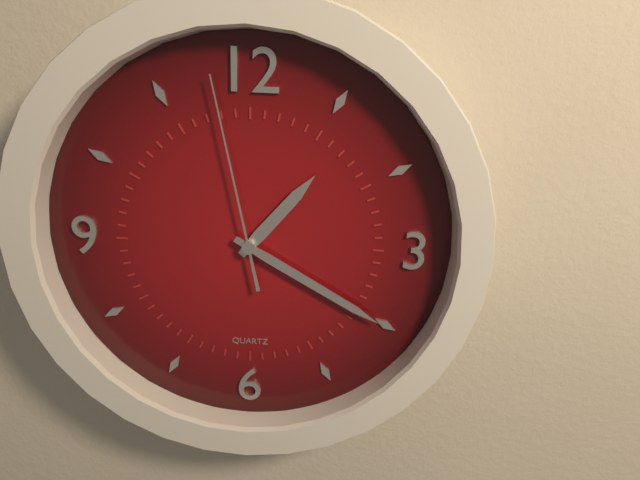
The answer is 1:20:58
